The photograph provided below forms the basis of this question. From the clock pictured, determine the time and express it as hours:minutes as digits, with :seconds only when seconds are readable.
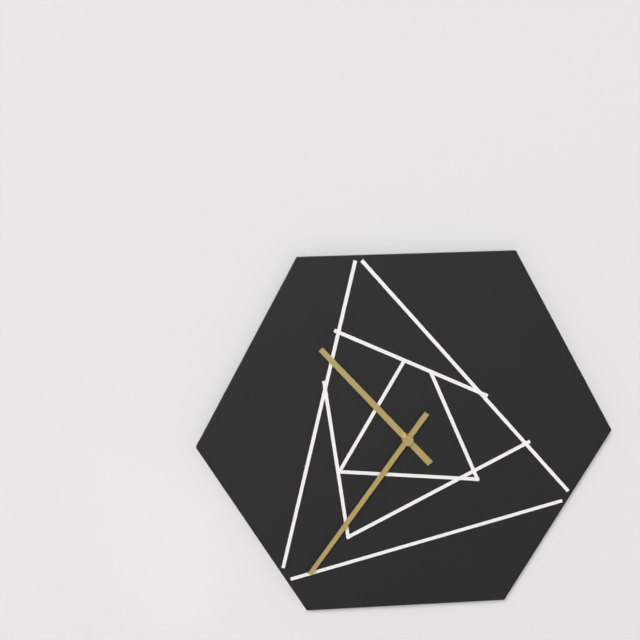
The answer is 10:36
